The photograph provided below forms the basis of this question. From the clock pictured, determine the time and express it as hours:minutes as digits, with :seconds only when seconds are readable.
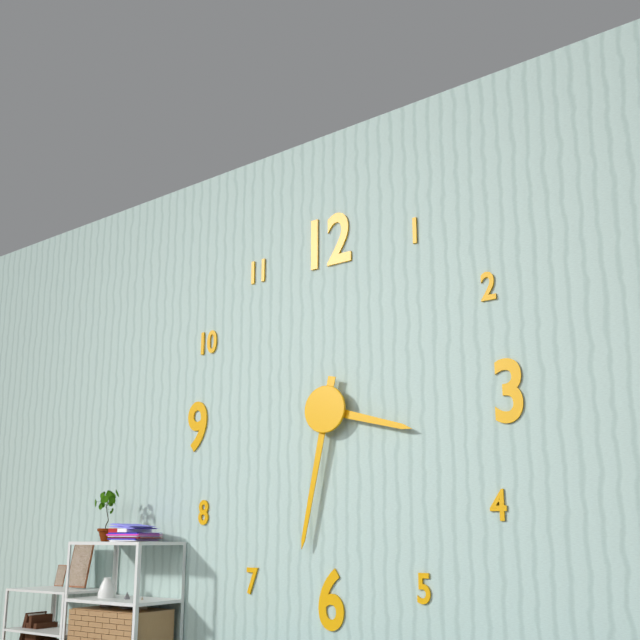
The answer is 3:32
